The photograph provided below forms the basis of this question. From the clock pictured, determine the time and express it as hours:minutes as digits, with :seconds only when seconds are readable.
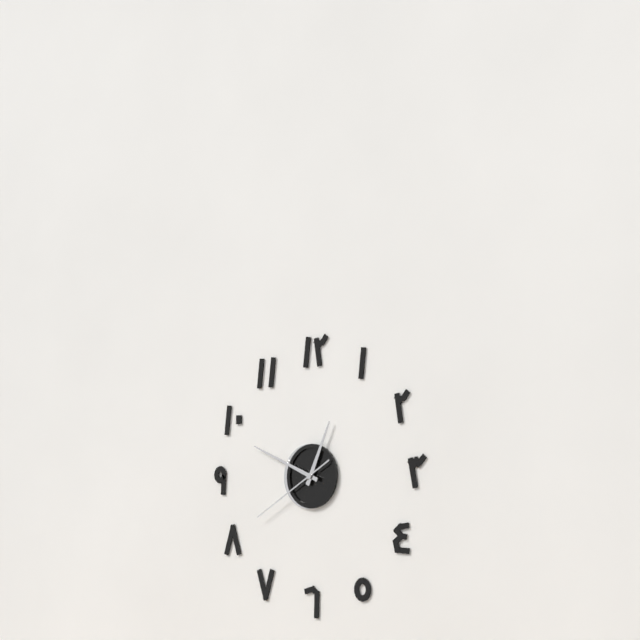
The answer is 12:49:40
